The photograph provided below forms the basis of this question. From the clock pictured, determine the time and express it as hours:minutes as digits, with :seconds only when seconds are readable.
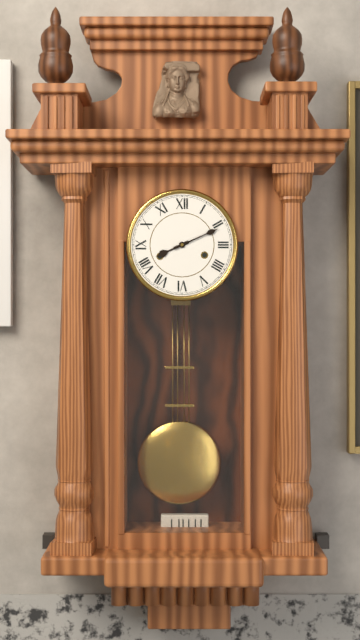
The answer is 8:11
